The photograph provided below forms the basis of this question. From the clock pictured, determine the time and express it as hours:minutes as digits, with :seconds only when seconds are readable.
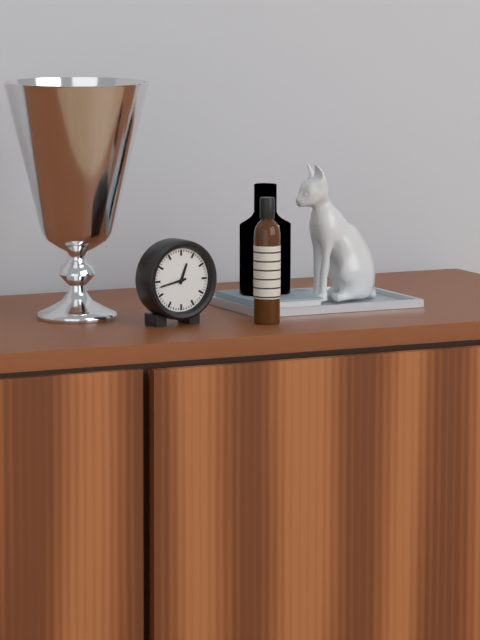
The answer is 12:43
